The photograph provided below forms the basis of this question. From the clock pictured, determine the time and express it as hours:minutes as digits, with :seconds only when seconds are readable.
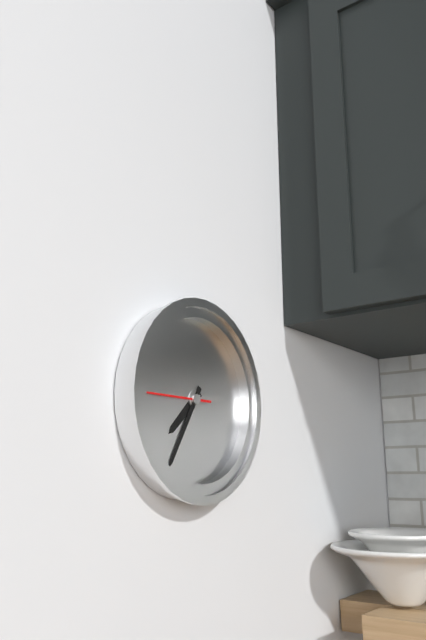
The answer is 7:35:45
